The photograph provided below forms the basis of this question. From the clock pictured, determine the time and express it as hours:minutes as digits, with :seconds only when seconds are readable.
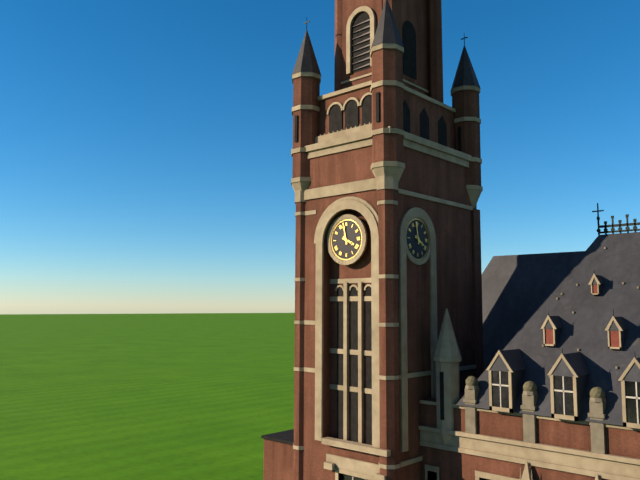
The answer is 3:58
